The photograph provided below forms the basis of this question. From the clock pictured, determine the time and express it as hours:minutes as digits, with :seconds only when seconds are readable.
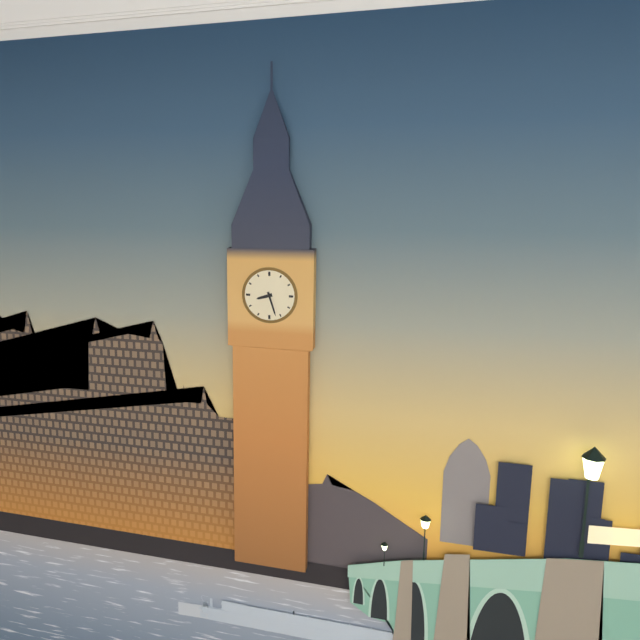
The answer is 8:27
